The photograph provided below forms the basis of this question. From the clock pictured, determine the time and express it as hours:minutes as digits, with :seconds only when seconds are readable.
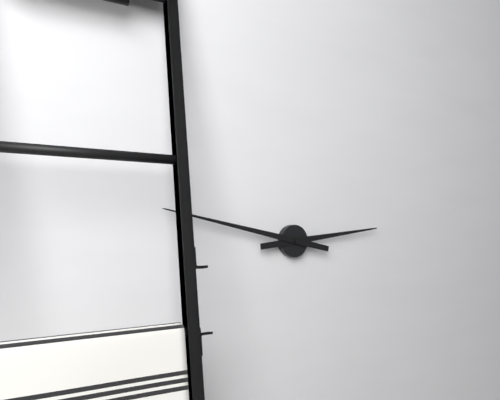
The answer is 2:47
